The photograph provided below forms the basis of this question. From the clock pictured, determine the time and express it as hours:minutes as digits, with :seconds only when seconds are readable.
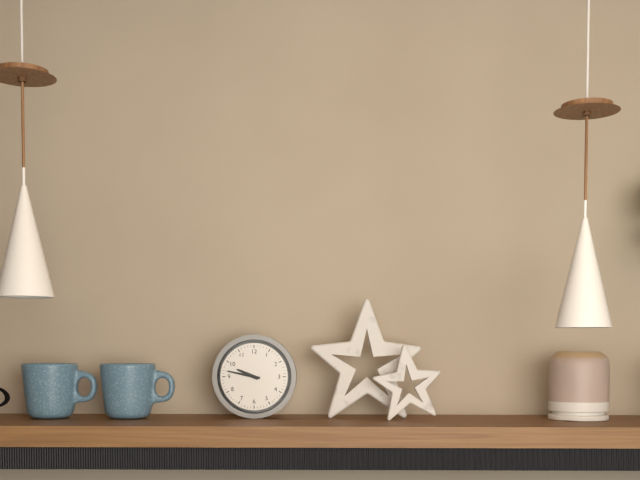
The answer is 9:47
